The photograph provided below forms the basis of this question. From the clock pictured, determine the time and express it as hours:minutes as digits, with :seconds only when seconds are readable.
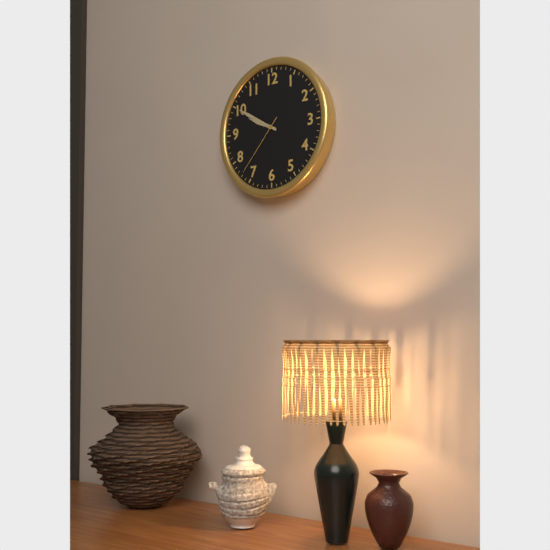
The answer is 9:50:37
